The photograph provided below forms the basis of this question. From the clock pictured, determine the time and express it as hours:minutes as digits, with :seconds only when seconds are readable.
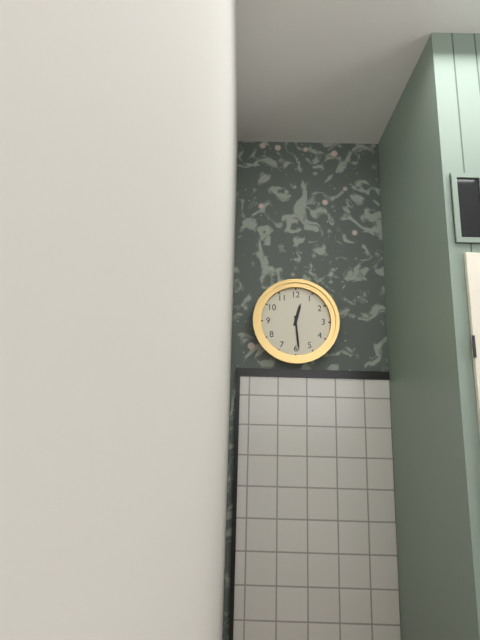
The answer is 12:29
